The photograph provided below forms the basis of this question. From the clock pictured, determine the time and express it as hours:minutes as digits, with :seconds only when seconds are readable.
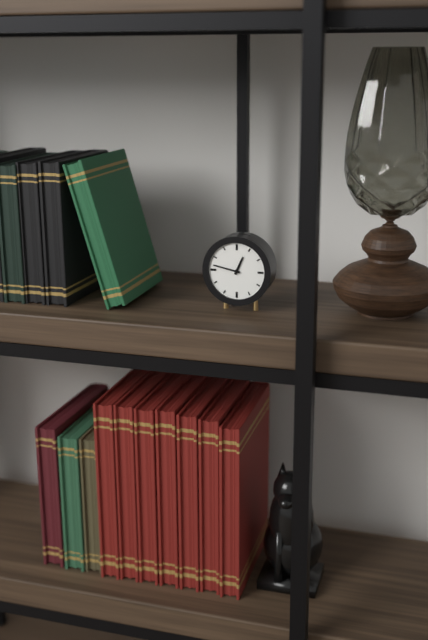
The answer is 12:47
